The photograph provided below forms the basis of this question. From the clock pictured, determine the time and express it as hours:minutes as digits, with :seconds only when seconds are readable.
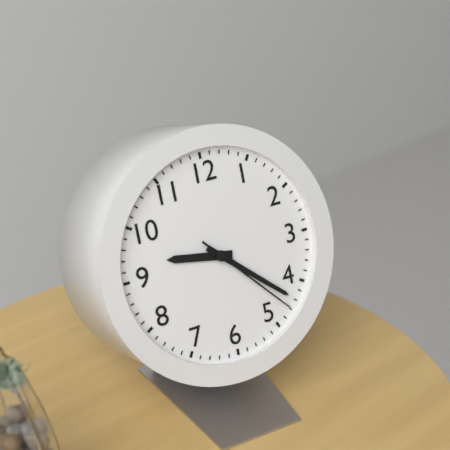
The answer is 9:22:23
